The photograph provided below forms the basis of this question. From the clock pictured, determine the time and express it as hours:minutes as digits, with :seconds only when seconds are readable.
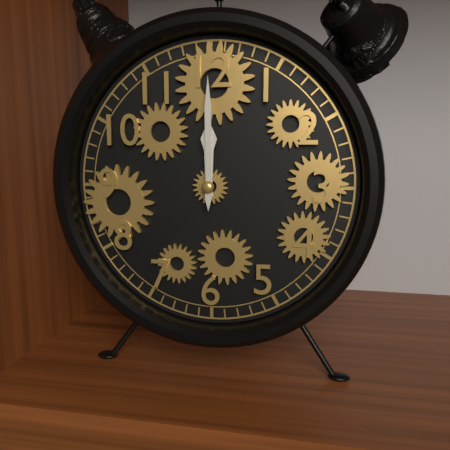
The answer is 12:00
